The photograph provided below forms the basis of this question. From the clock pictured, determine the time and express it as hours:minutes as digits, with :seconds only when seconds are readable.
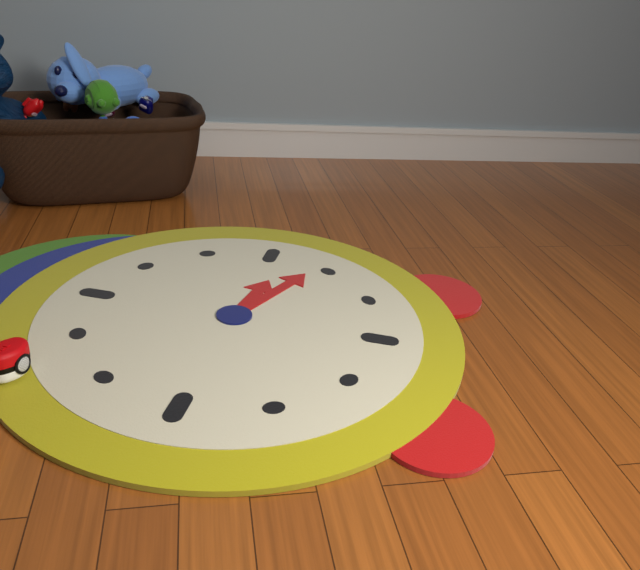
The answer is 3:19
